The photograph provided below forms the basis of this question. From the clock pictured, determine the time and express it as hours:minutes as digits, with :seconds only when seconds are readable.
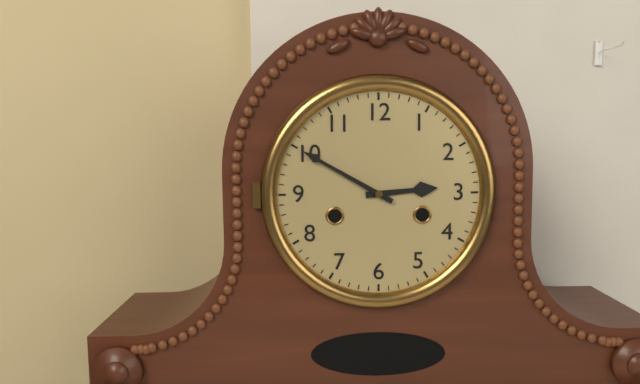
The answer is 2:50
